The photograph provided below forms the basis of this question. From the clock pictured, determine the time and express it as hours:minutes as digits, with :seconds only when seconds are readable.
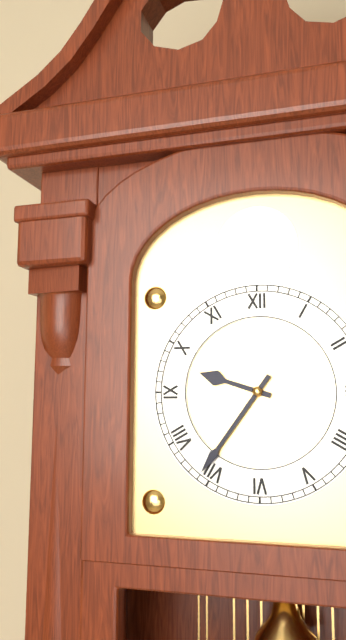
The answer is 9:36
